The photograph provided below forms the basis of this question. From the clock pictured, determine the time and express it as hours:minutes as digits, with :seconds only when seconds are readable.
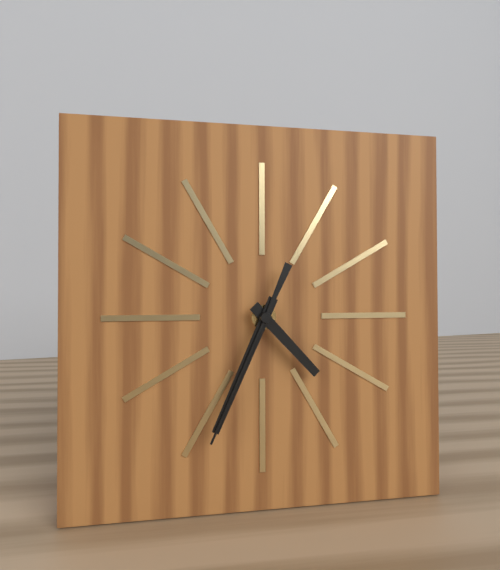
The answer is 4:34:34
